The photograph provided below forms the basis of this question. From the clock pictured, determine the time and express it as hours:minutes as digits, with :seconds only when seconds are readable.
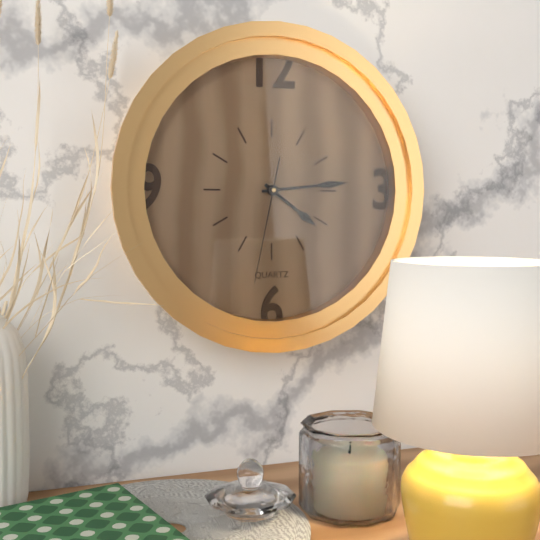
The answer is 4:14:32
